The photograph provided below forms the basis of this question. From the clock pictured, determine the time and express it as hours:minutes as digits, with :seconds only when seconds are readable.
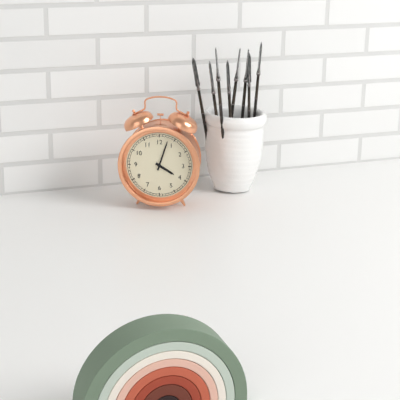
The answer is 4:03
